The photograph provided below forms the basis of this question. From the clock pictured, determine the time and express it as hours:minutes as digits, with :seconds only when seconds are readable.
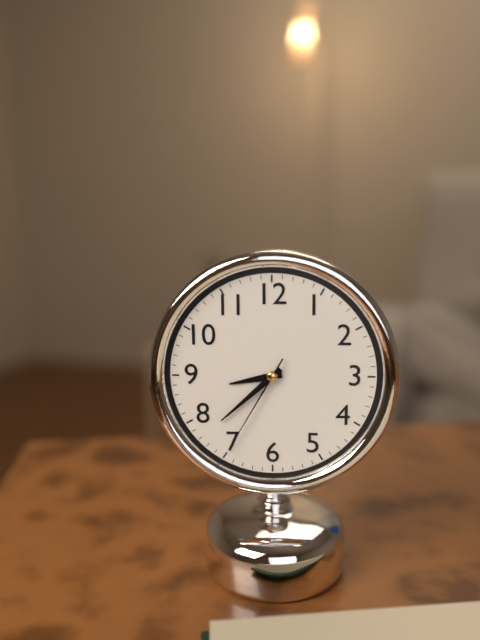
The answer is 8:38:35
